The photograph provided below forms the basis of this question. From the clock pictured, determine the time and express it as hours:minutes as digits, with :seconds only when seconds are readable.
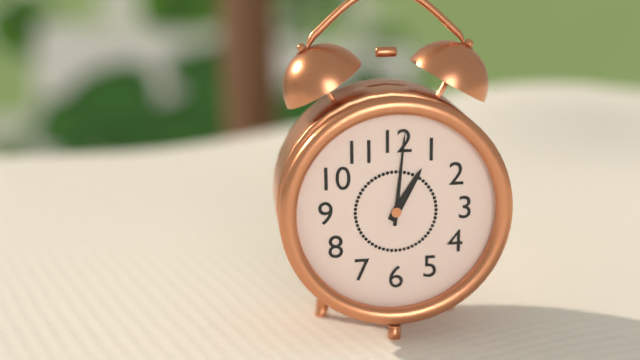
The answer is 1:01
